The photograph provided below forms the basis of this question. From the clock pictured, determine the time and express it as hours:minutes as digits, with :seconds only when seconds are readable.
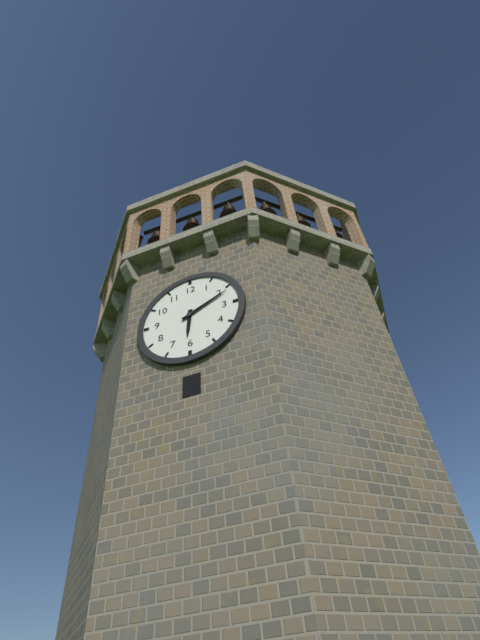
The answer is 6:11
